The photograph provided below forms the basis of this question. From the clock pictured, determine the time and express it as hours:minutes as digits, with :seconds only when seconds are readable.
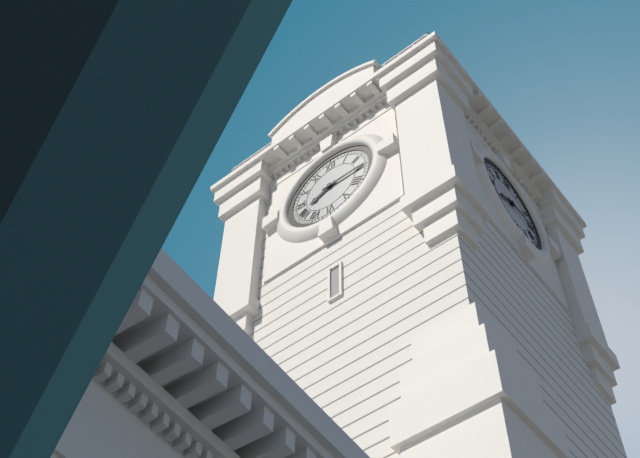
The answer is 8:15
